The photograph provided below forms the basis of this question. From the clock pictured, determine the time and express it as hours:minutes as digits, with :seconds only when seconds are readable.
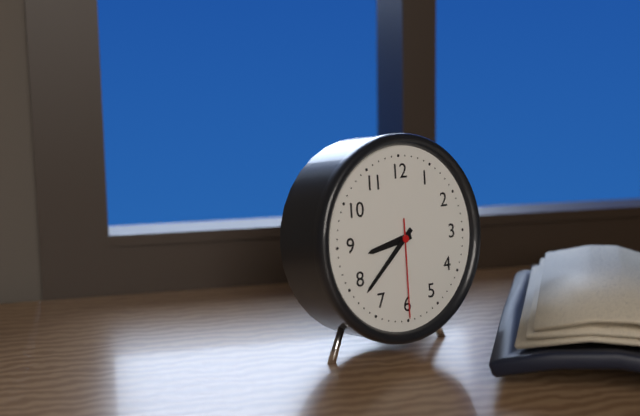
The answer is 8:38:30
